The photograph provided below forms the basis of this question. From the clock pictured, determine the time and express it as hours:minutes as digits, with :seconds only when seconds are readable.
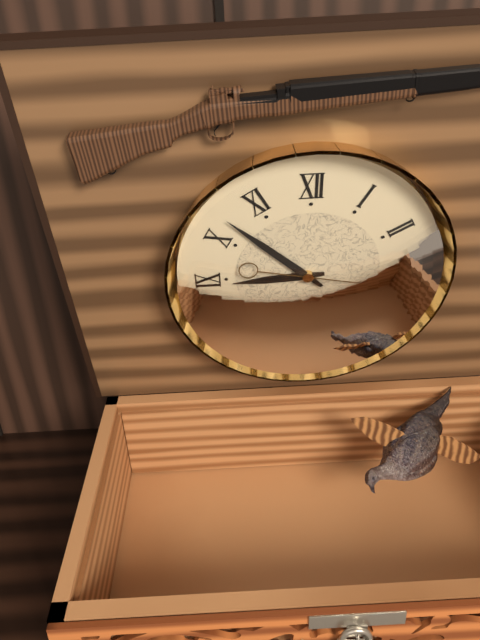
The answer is 8:52:17
